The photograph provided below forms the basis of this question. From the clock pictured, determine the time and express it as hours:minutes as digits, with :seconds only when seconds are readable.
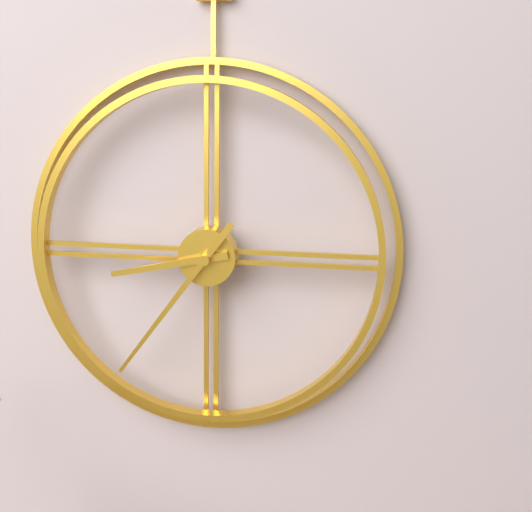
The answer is 8:36
